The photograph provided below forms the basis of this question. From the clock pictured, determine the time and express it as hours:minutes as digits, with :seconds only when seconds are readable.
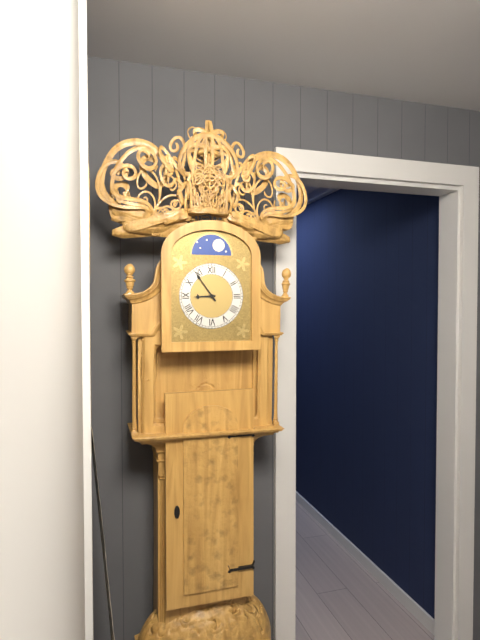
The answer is 8:54
